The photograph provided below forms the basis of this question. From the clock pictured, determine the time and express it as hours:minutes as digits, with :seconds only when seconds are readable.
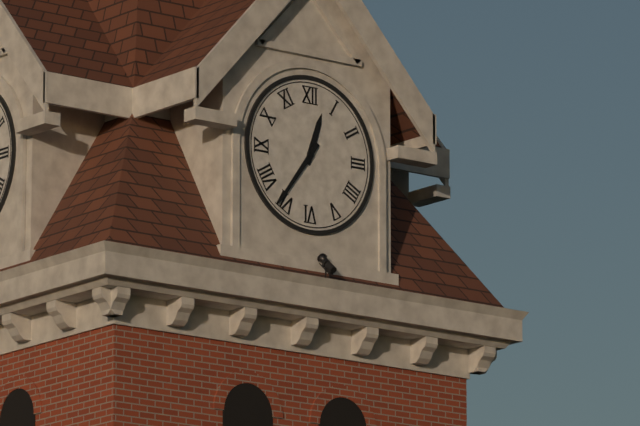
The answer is 12:36
